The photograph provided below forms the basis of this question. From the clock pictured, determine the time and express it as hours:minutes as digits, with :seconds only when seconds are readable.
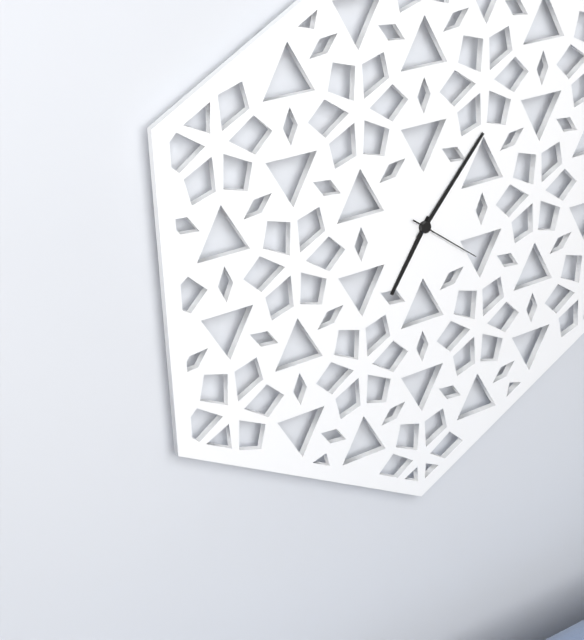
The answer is 7:07:21
